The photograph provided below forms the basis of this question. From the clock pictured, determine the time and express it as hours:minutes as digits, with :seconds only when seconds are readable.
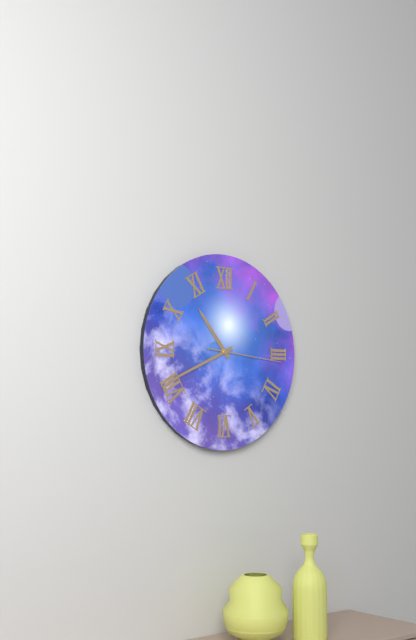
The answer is 10:41:16
